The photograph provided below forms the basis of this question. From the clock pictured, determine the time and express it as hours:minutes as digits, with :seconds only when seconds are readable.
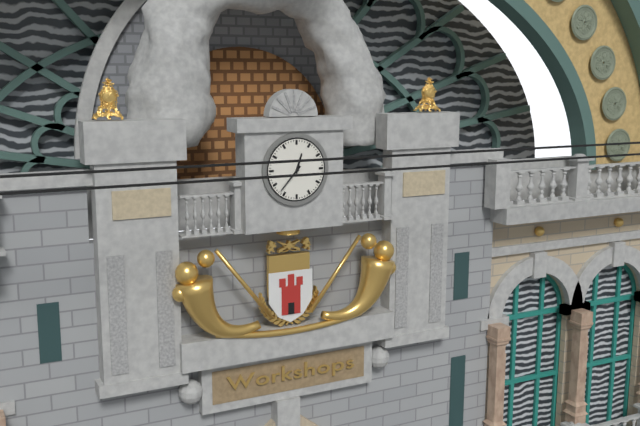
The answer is 12:37
